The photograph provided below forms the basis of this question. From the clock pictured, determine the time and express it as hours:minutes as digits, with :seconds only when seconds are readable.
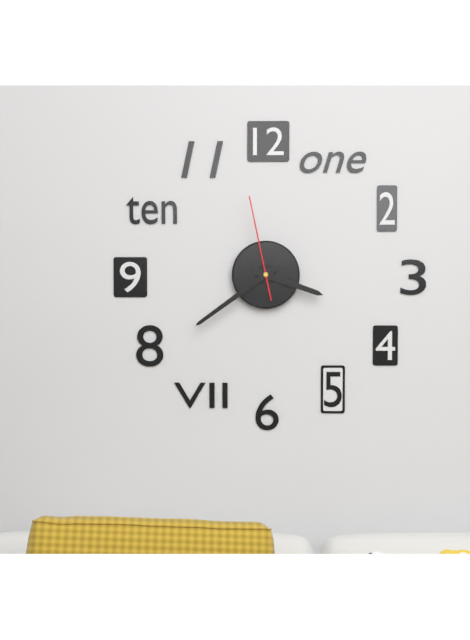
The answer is 3:39:58
